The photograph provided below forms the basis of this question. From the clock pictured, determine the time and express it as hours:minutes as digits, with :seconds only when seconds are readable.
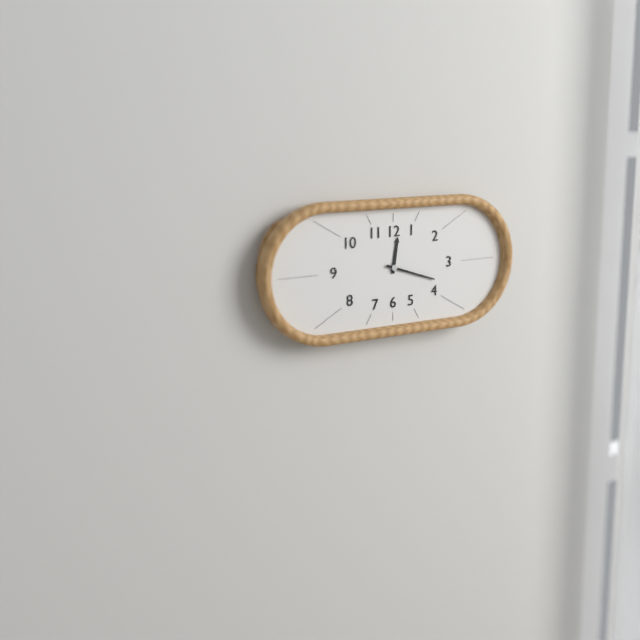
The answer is 12:18
